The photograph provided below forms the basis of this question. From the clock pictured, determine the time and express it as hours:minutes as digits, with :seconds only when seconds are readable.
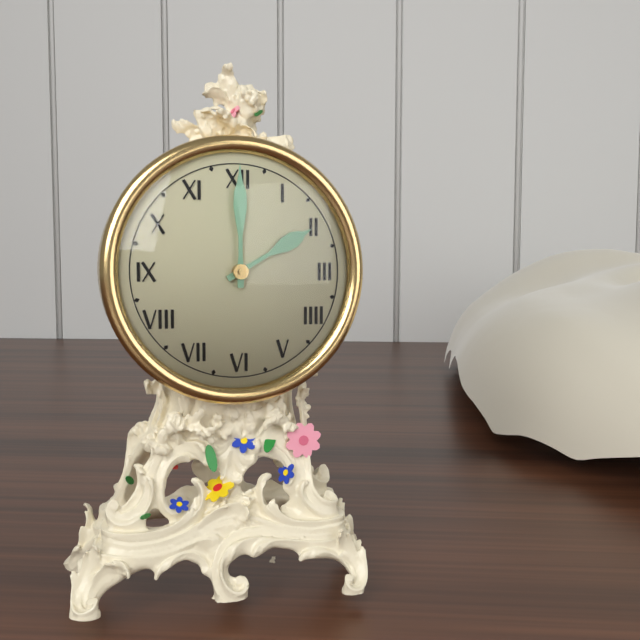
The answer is 2:00
